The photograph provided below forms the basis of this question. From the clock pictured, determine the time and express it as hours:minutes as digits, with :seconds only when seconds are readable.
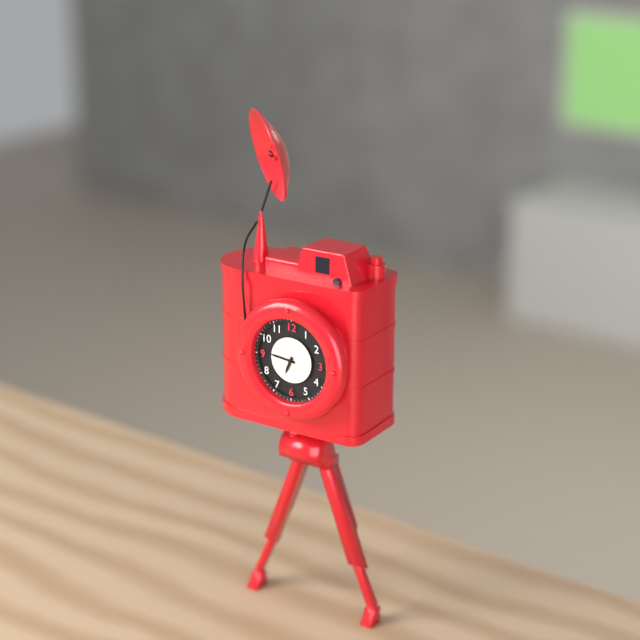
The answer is 6:46
